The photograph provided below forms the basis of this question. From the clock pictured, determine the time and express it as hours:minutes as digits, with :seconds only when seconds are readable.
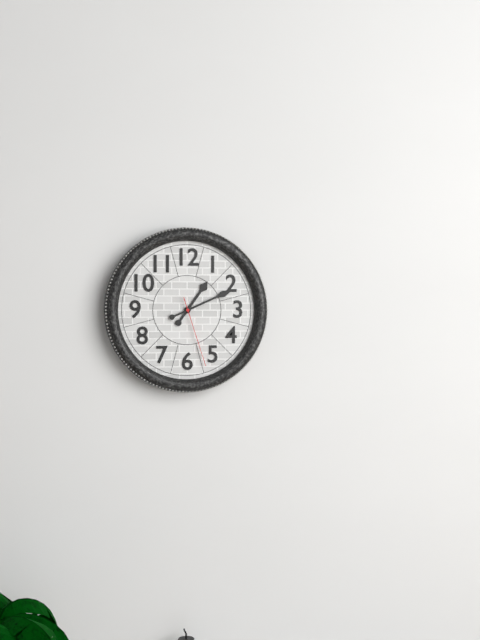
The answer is 1:11:27
